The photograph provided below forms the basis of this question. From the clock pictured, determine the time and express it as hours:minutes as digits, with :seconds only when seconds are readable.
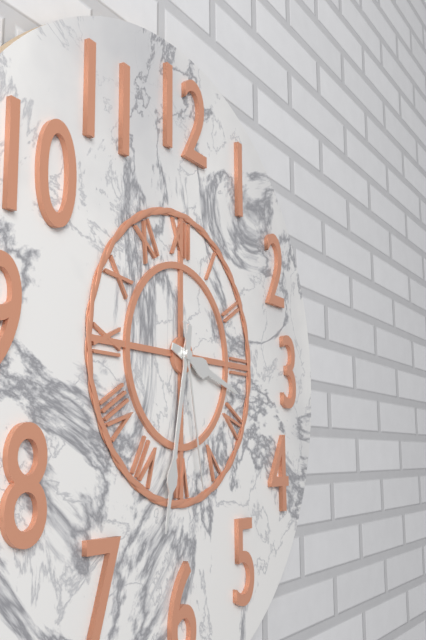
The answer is 3:32:28
